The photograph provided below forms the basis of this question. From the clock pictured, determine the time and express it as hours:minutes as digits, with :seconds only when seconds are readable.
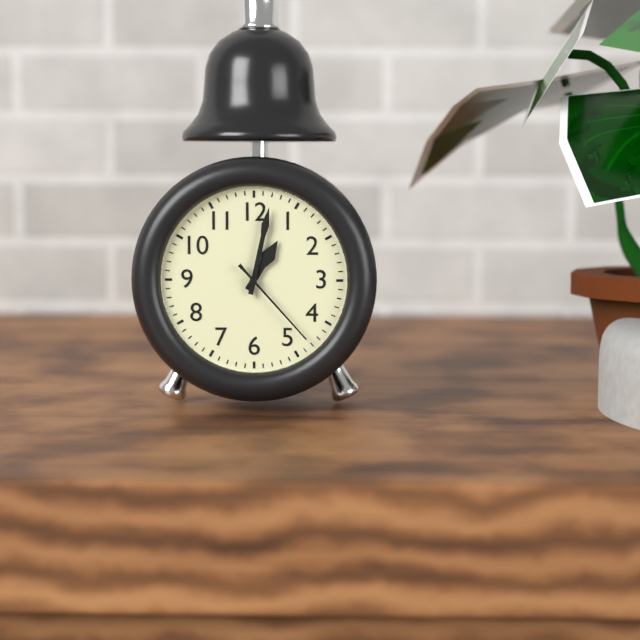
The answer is 1:02:23
